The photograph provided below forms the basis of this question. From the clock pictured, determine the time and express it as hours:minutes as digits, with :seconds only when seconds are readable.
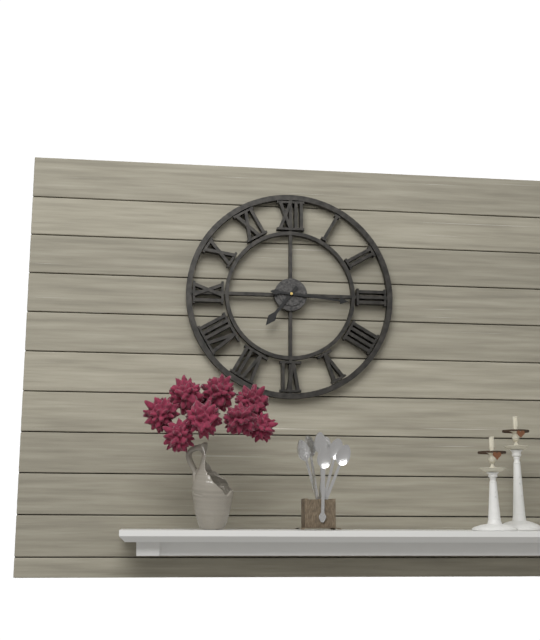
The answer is 7:16
